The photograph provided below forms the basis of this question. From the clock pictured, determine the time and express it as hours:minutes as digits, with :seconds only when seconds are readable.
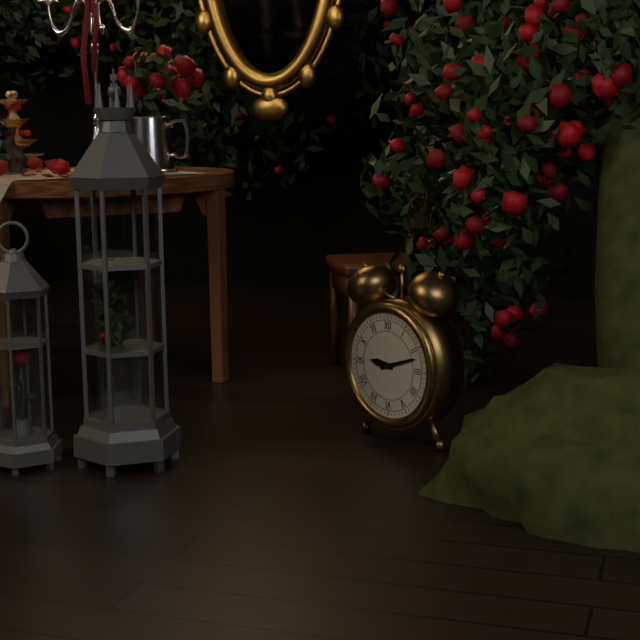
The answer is 9:12
